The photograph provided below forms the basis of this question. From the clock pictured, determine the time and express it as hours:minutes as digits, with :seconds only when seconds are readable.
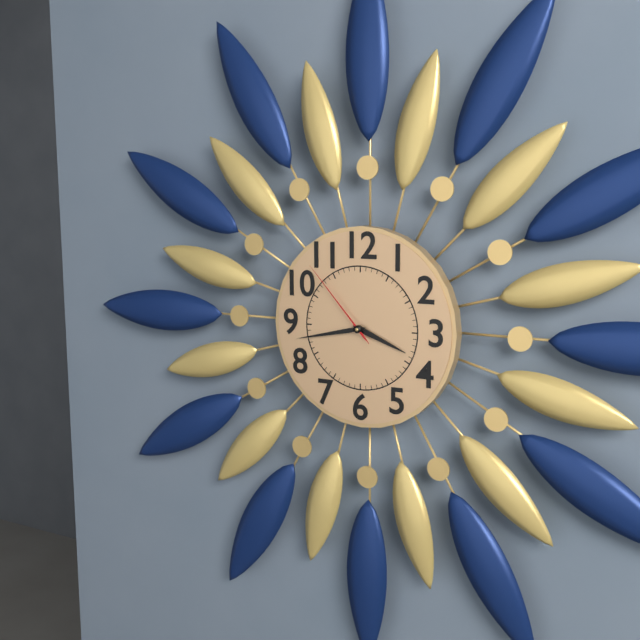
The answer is 3:43:53
